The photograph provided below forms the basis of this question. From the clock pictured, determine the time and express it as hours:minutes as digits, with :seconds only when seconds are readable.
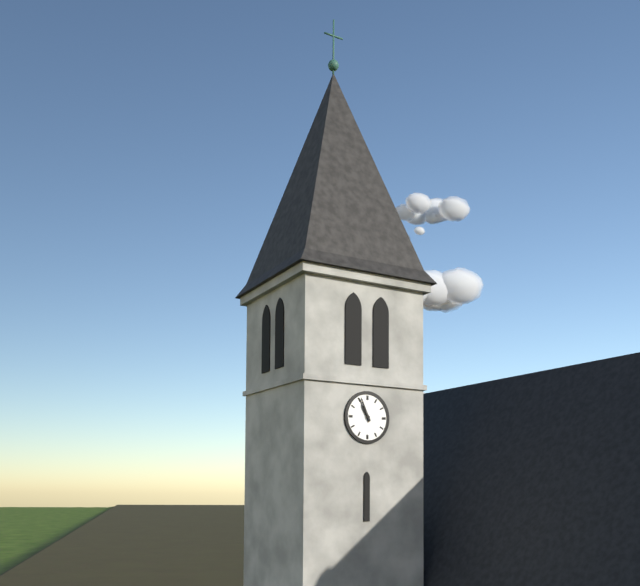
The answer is 10:56
